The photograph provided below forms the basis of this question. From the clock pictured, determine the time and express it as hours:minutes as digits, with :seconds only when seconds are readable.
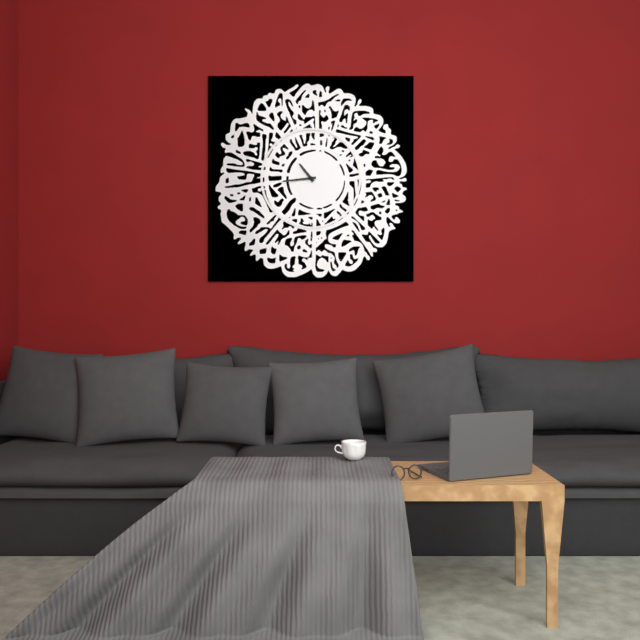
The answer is 10:44
